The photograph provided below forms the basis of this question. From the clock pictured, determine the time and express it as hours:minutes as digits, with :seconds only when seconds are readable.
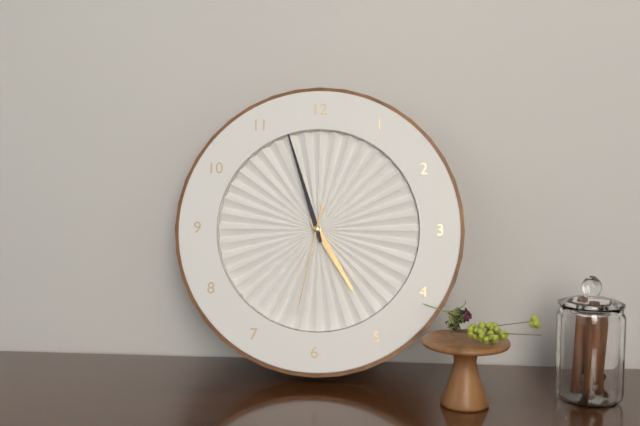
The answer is 4:57:32
